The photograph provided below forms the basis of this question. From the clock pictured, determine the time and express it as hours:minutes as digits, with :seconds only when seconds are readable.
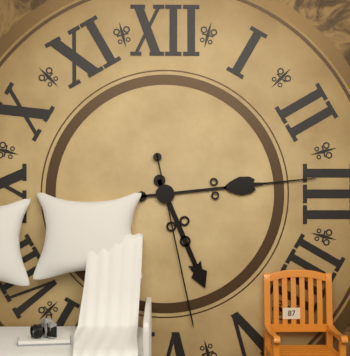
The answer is 5:14:28
